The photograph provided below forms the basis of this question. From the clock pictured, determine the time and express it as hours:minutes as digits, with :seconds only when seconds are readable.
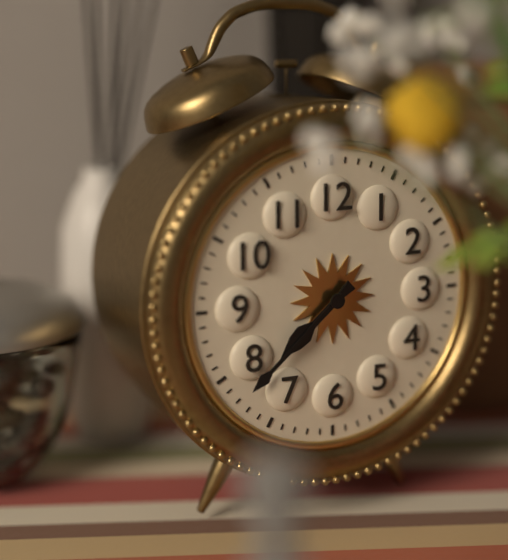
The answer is 7:38
